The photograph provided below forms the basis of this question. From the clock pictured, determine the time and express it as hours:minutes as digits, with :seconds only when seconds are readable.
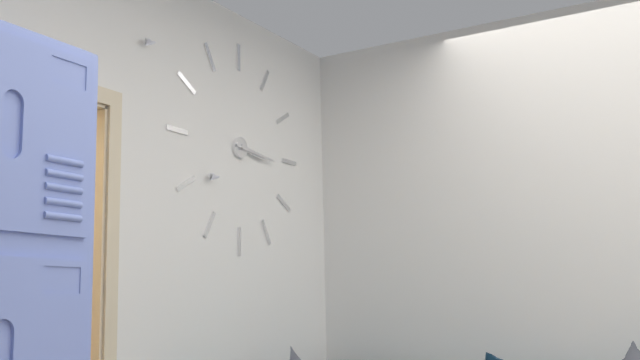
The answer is 3:16
